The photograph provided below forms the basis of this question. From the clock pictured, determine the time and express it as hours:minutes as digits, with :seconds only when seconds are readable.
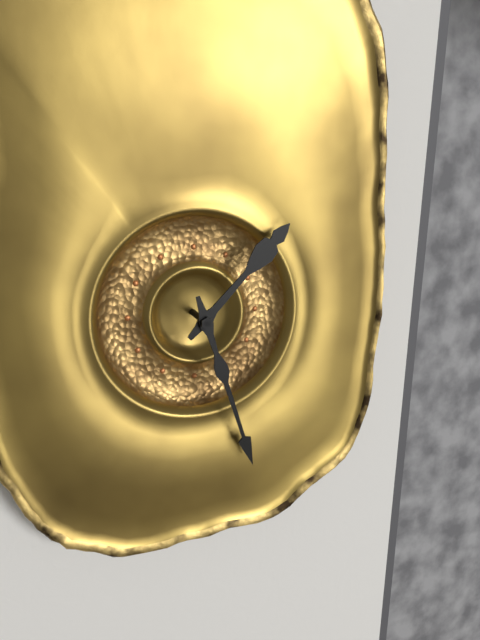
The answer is 1:27
